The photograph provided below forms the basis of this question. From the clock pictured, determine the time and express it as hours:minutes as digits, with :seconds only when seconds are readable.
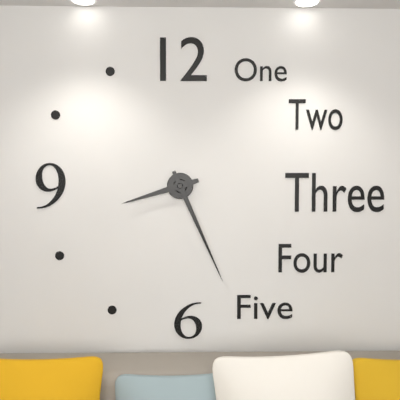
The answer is 8:26
